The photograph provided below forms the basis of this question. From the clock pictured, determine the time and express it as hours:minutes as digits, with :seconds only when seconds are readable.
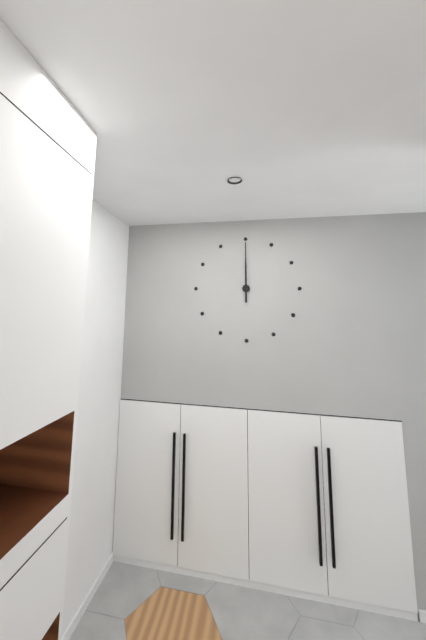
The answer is 12:00
